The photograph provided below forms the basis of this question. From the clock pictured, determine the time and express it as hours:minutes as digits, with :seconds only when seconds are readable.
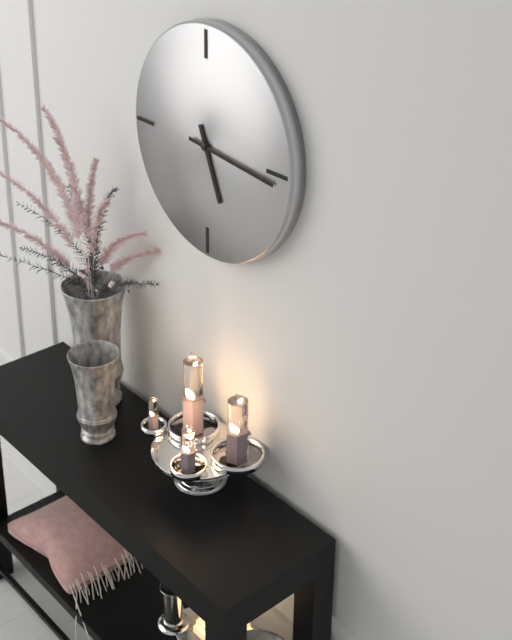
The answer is 5:16
